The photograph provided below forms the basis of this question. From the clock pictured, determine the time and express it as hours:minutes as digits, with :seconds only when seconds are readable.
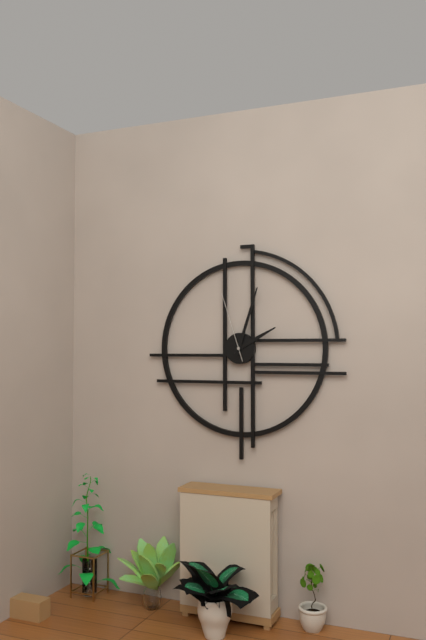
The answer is 2:03:57
